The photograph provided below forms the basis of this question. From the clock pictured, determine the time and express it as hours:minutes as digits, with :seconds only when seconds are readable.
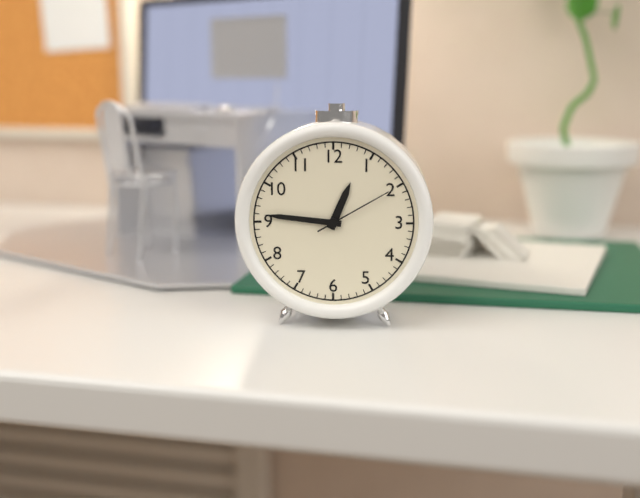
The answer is 12:46:10
